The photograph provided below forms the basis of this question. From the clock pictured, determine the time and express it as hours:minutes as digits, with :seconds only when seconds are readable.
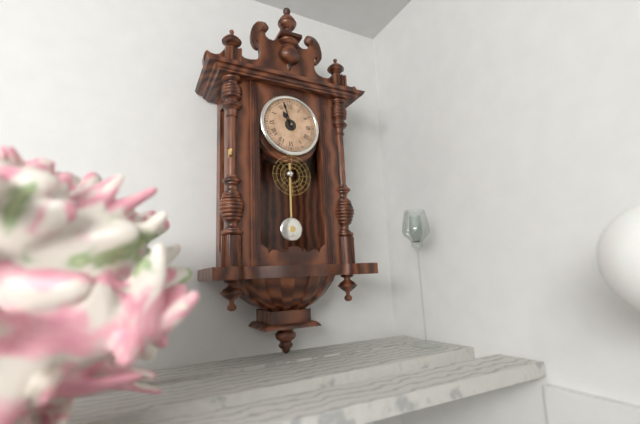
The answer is 10:57
